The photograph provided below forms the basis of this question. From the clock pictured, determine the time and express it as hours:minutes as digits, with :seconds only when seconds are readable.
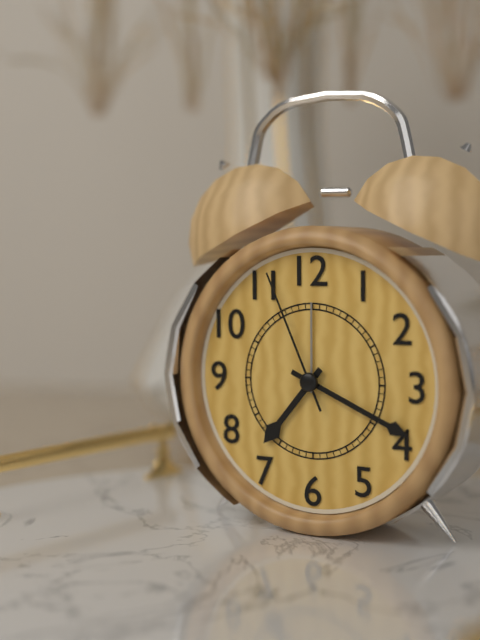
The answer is 7:19:56
